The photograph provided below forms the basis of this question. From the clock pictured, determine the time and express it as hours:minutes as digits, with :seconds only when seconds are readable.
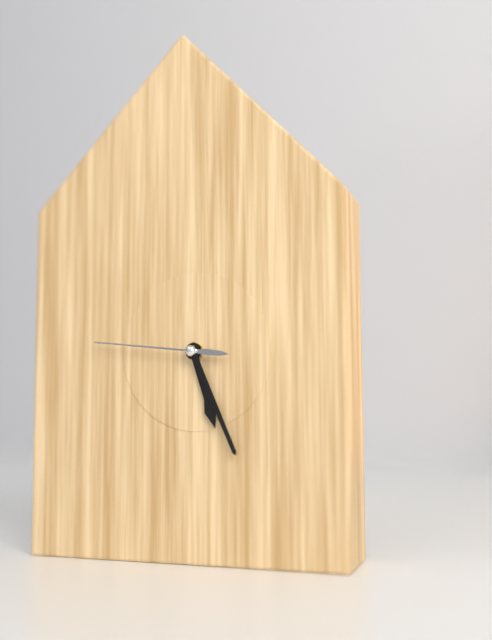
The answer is 5:26:46
